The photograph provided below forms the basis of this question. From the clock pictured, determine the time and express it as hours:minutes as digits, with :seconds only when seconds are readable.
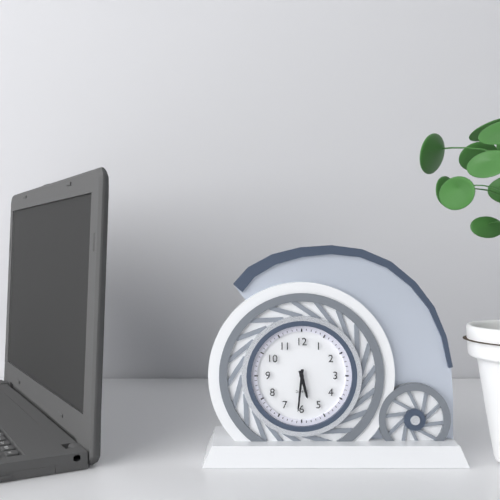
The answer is 5:31
